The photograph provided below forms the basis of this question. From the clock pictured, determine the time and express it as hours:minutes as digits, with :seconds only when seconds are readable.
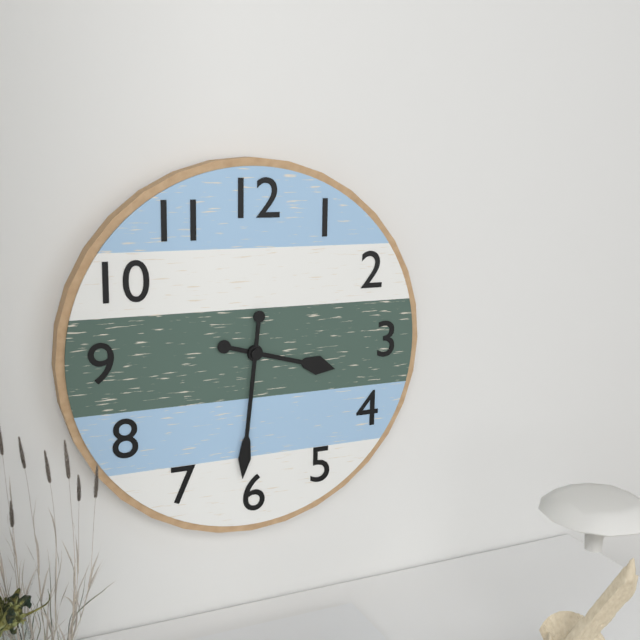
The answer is 3:31
